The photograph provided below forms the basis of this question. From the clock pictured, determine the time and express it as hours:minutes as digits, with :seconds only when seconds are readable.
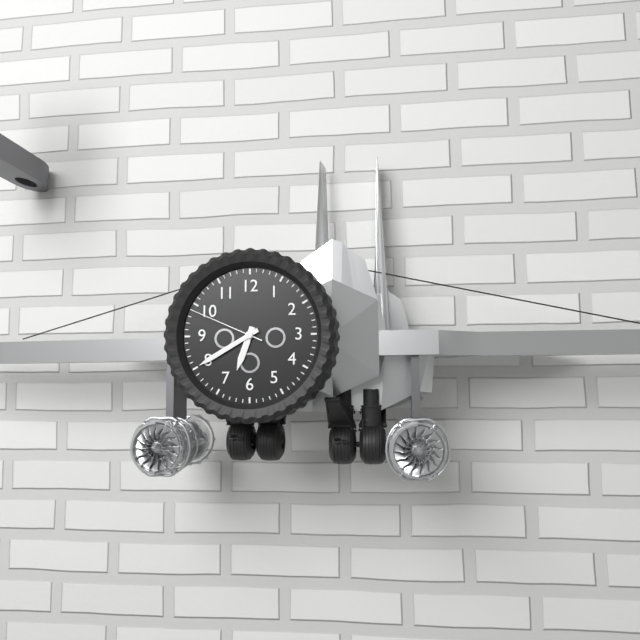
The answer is 6:40:49
